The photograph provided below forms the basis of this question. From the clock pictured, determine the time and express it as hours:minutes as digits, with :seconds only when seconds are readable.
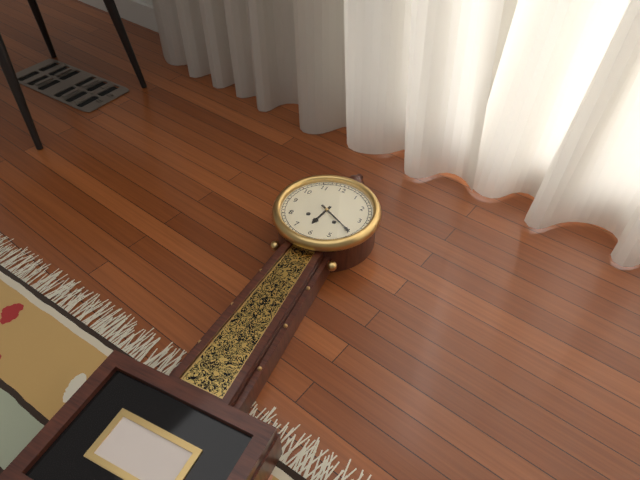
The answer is 6:20
